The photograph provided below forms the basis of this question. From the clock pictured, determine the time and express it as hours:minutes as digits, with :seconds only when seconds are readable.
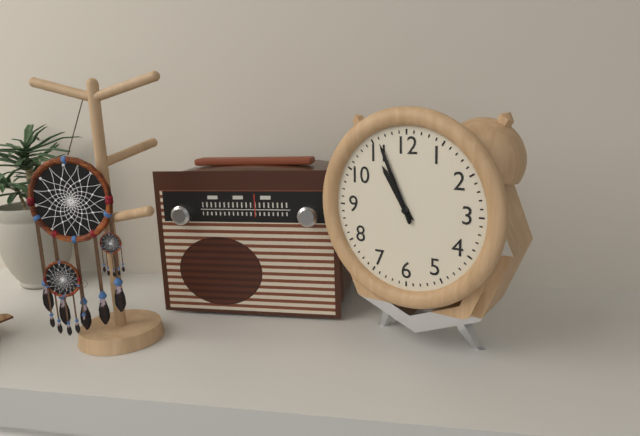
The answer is 10:56:56
